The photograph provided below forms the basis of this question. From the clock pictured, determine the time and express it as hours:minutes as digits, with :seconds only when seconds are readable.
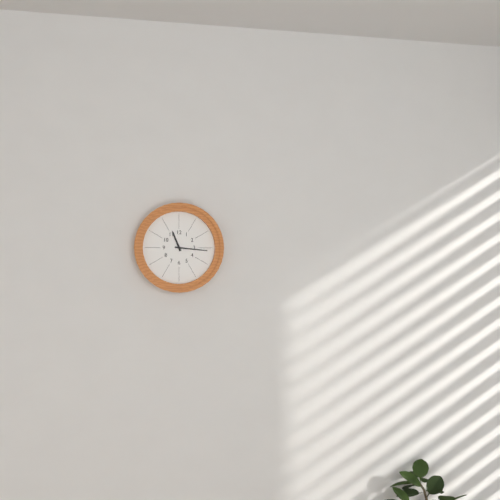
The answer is 11:16
